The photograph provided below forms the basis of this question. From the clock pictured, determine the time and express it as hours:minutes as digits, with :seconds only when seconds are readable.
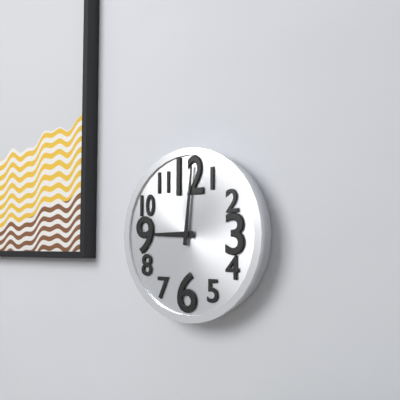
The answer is 9:01
